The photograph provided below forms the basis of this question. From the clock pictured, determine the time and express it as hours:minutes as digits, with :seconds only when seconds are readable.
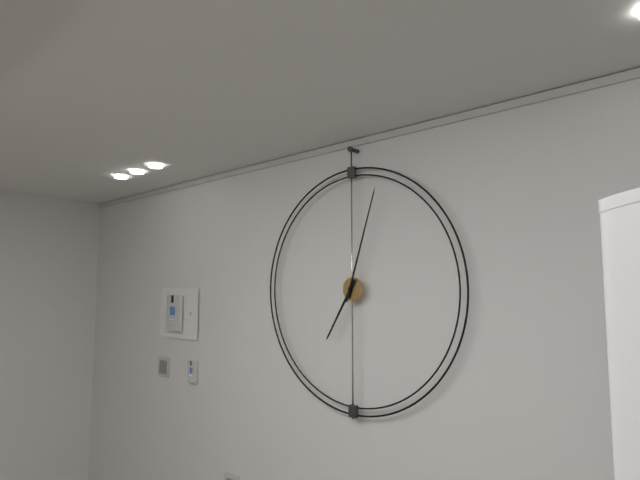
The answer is 7:03
